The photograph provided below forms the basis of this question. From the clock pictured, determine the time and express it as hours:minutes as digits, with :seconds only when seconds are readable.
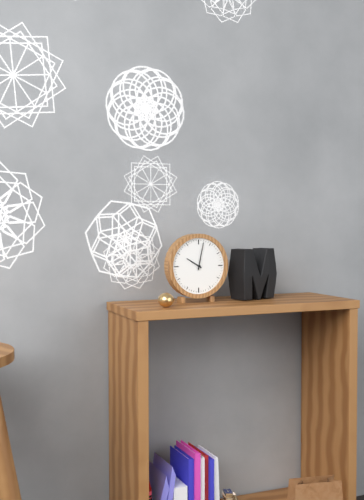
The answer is 10:02
